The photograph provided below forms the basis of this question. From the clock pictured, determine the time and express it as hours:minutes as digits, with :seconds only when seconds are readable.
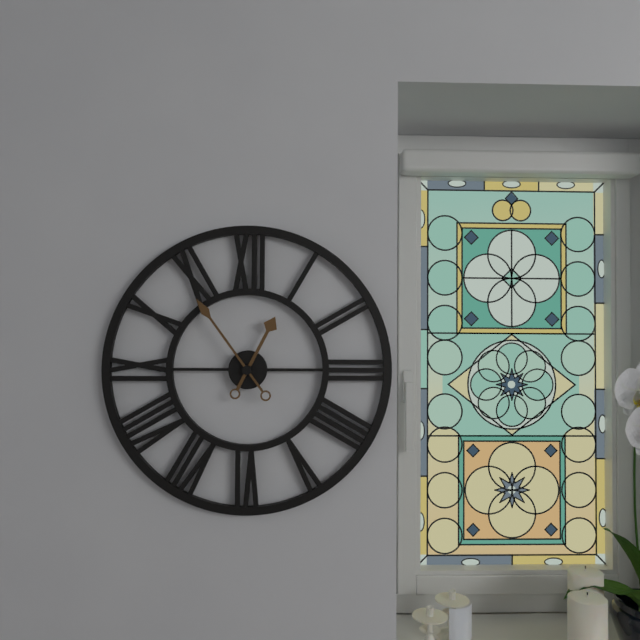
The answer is 12:54
